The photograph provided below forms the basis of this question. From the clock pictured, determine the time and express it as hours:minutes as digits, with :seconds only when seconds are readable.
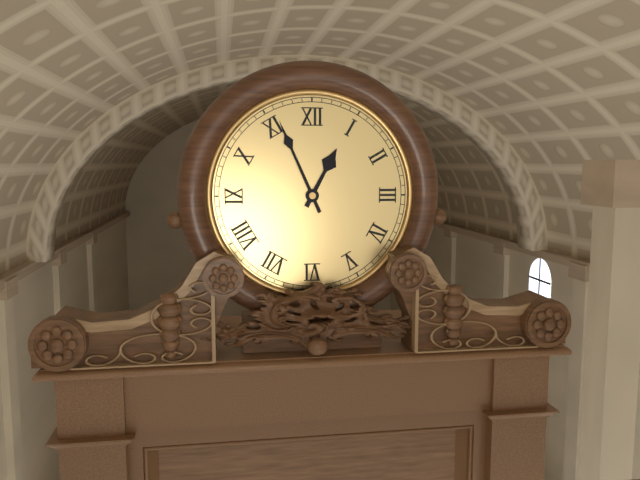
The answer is 12:56
